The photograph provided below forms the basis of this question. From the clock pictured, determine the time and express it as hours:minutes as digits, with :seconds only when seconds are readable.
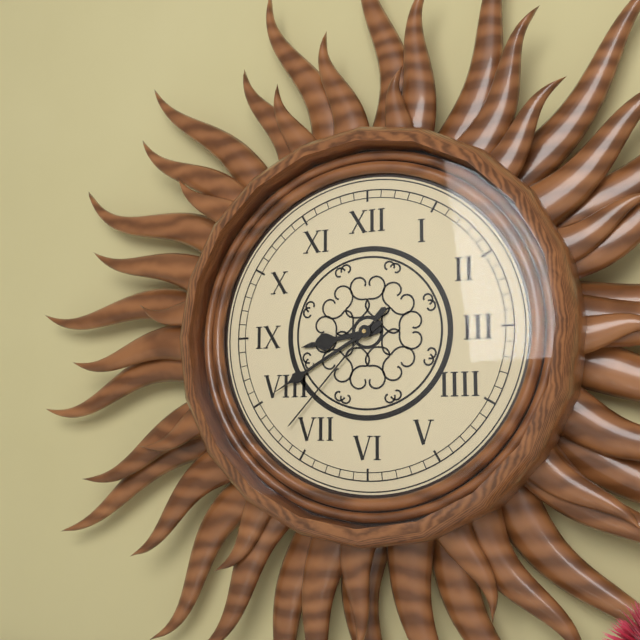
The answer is 8:40:37
